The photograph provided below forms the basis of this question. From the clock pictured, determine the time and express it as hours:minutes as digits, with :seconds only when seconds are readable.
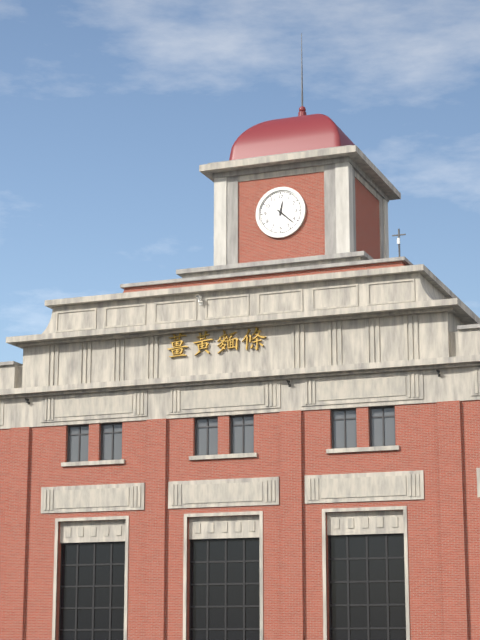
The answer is 12:22
